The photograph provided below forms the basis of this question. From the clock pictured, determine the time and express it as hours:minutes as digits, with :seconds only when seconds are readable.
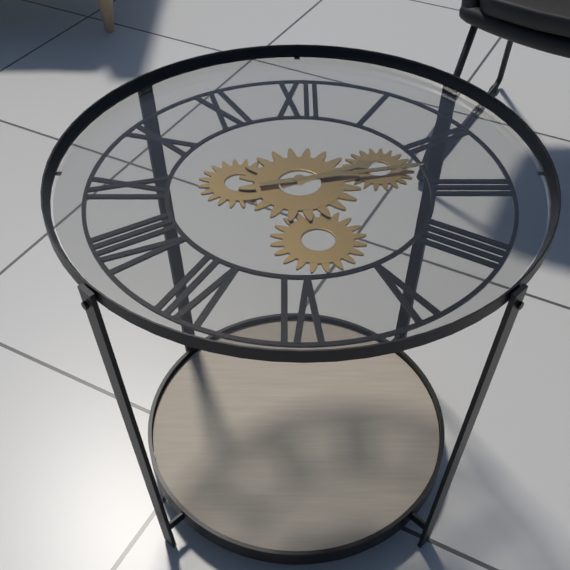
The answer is 2:13
